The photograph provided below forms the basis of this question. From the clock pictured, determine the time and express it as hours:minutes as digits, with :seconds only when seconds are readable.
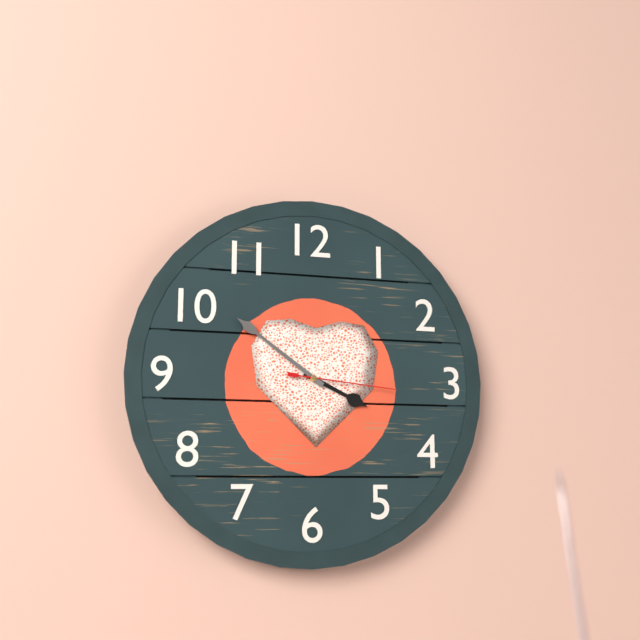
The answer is 3:51:16
